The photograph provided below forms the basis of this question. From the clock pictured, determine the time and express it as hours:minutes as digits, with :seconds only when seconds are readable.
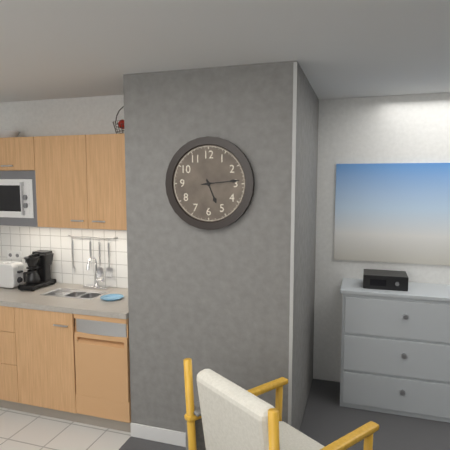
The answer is 5:14
